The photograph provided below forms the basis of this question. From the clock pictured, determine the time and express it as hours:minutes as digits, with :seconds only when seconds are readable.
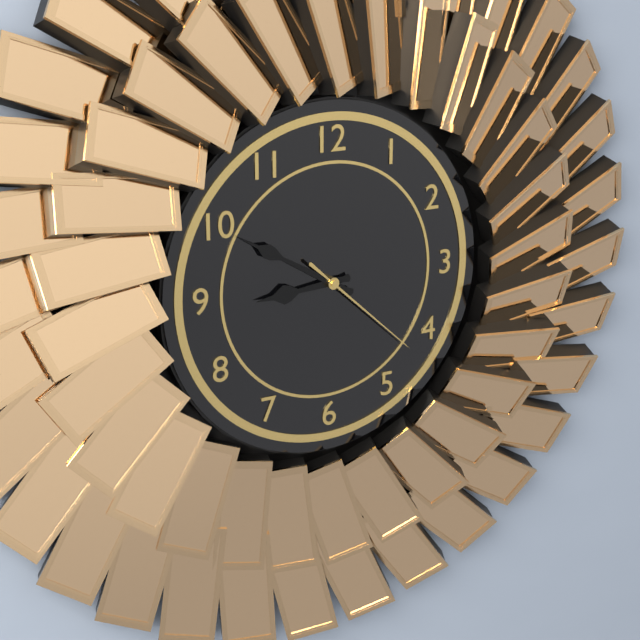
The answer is 8:50:22
